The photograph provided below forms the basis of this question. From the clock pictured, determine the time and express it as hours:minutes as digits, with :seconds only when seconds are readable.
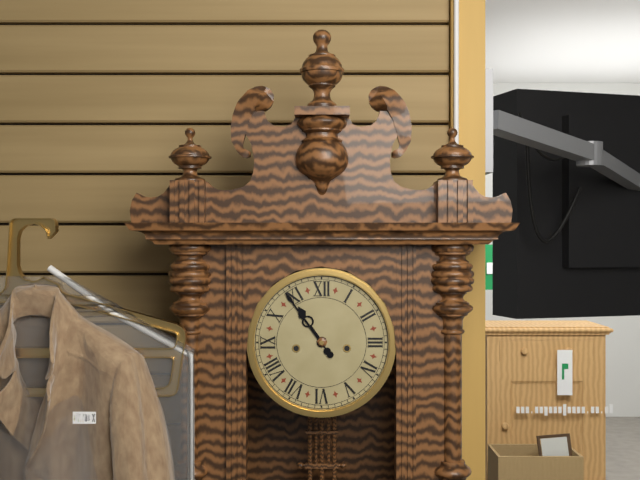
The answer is 10:54
